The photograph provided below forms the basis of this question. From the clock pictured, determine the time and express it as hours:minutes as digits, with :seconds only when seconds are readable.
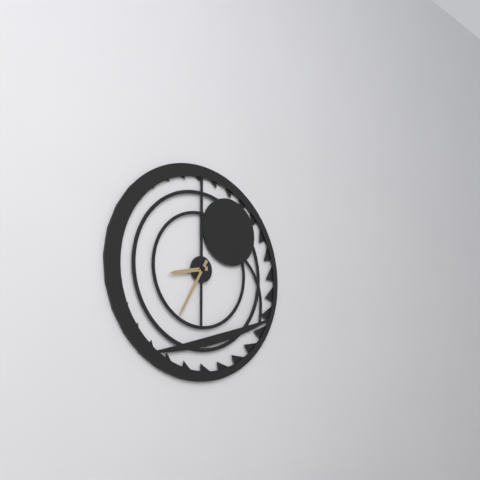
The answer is 8:35
